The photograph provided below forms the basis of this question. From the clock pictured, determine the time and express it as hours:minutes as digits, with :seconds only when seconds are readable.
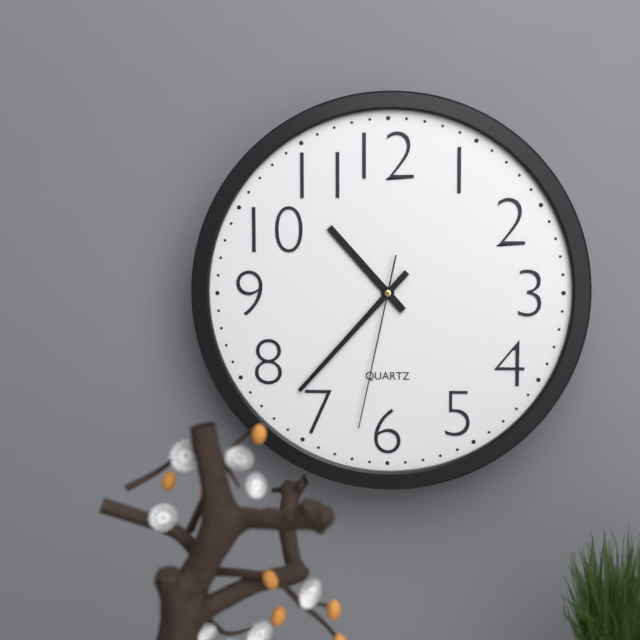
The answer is 10:37:32
